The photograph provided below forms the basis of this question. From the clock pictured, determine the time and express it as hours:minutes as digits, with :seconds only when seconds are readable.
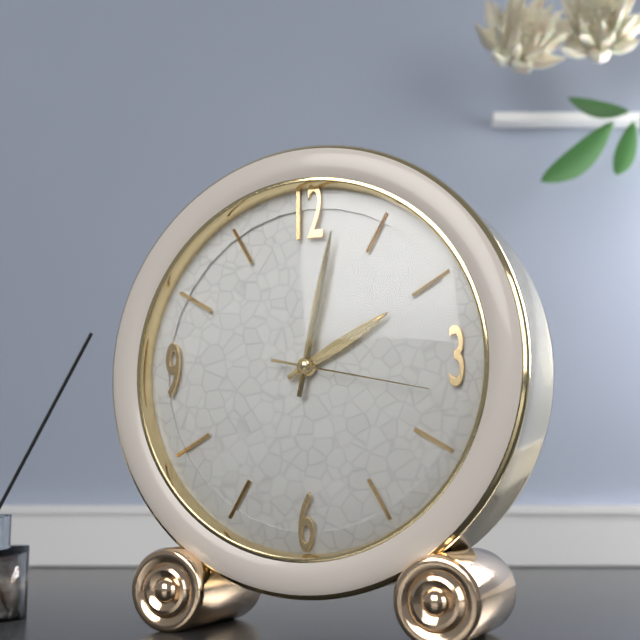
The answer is 2:02:17
